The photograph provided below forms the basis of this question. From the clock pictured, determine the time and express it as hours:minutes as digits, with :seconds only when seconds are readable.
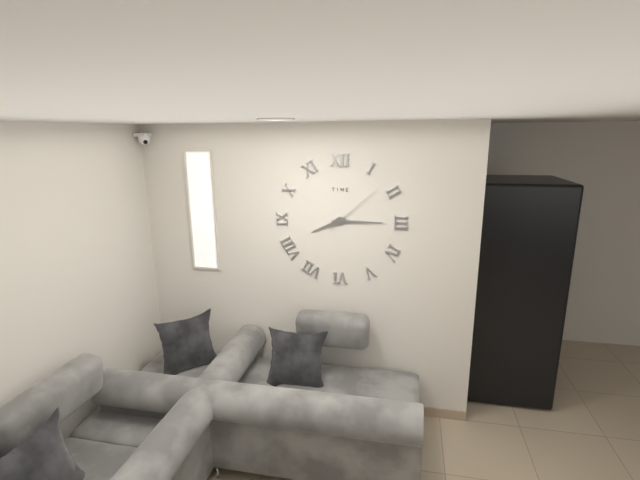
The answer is 8:15:08
